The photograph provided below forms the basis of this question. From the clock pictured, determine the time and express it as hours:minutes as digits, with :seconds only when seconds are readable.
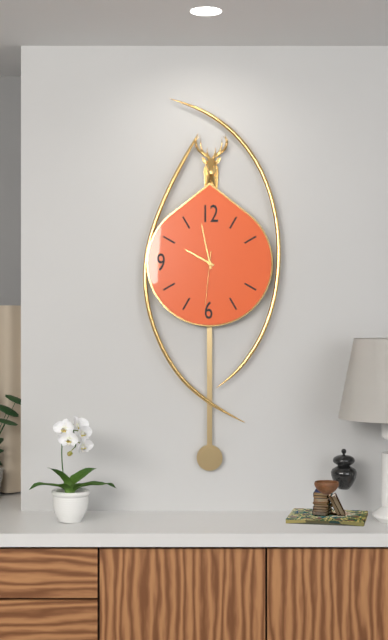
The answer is 9:58:31
